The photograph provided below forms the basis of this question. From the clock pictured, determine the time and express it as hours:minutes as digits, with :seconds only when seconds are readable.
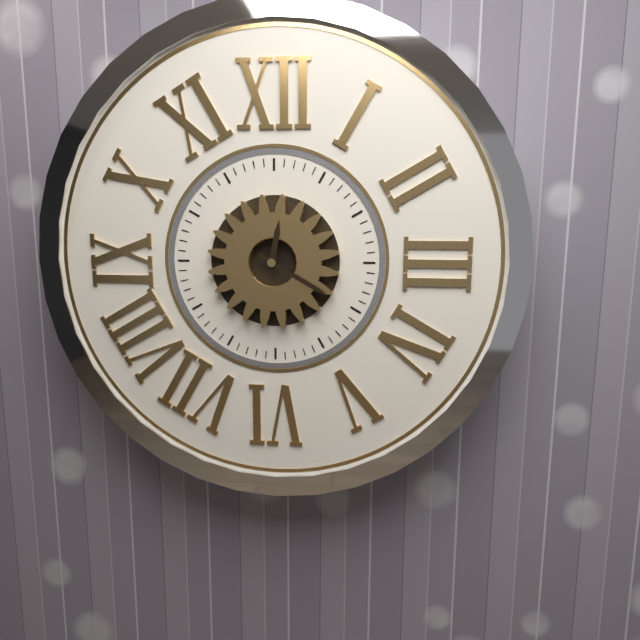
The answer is 12:20
